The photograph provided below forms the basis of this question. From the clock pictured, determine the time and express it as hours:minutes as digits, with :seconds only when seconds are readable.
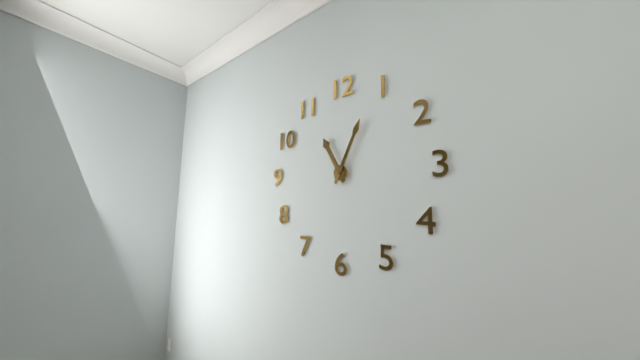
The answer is 11:04
